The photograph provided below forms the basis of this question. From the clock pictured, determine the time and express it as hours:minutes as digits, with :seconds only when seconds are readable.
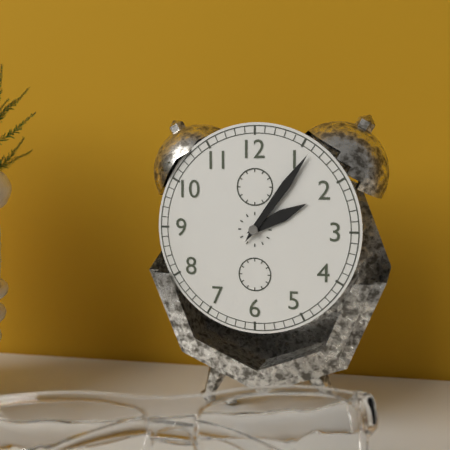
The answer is 2:06
